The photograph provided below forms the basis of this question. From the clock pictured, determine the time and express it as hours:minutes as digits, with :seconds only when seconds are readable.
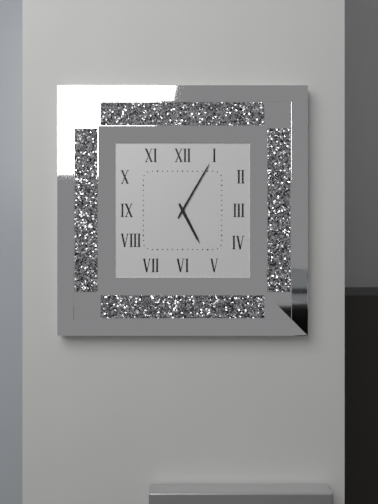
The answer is 5:05
